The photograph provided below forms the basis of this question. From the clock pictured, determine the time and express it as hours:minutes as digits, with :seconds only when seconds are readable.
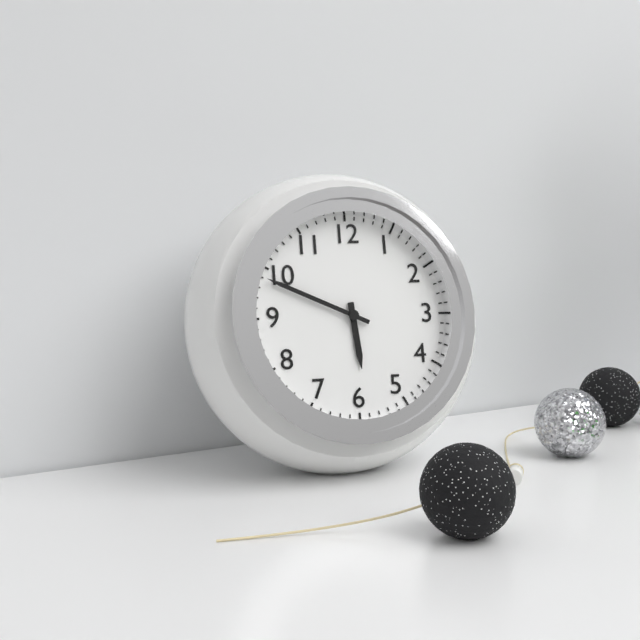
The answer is 5:49
